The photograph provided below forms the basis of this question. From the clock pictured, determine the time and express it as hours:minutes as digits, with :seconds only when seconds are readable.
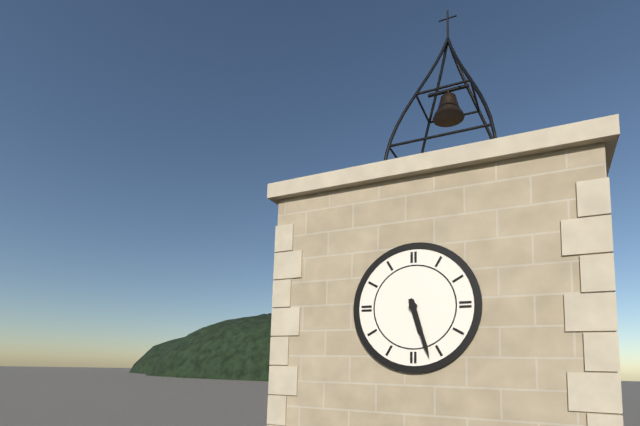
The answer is 5:27
